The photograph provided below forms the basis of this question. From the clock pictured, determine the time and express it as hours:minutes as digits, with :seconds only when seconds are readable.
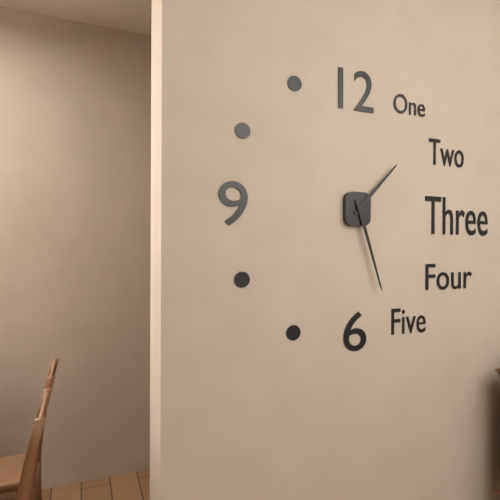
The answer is 1:27
